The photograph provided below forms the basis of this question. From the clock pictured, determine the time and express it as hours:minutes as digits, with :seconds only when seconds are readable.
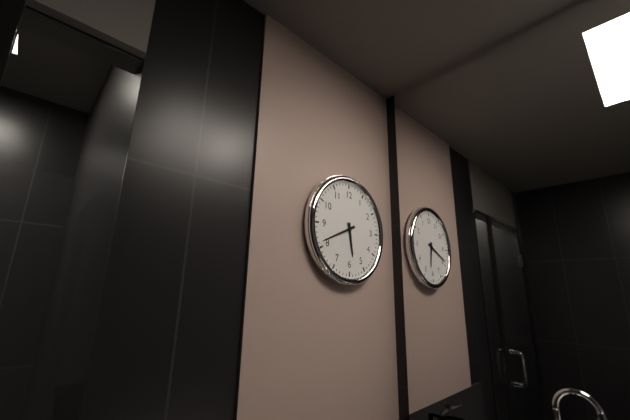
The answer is 5:41
